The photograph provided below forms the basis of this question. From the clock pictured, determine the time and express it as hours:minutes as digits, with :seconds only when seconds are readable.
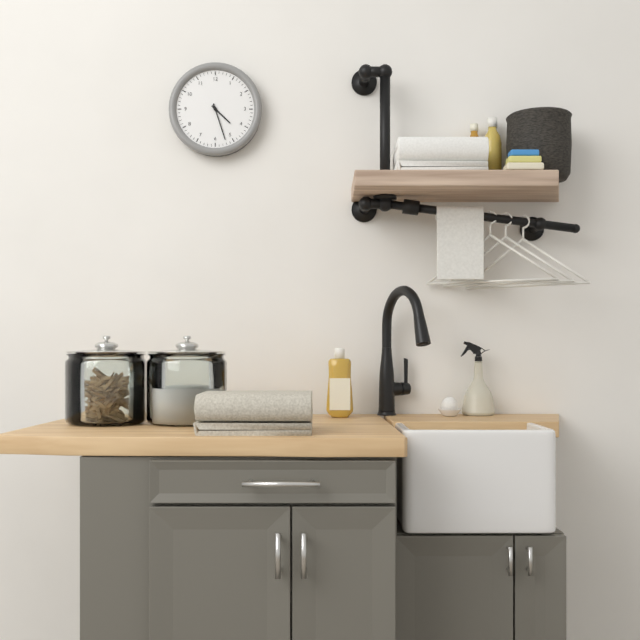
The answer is 4:27
